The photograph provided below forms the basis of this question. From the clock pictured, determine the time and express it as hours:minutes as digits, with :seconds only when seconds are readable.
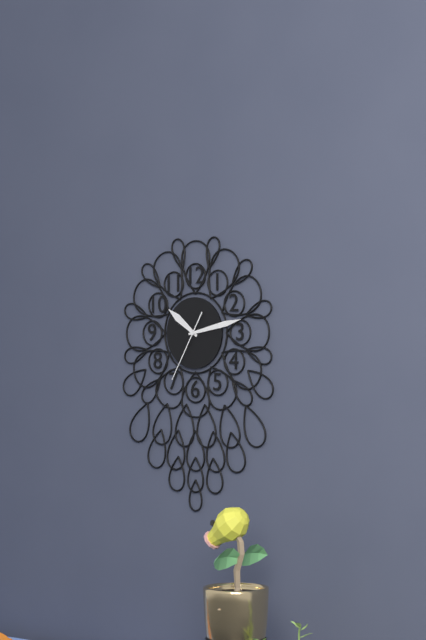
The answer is 10:13:35
